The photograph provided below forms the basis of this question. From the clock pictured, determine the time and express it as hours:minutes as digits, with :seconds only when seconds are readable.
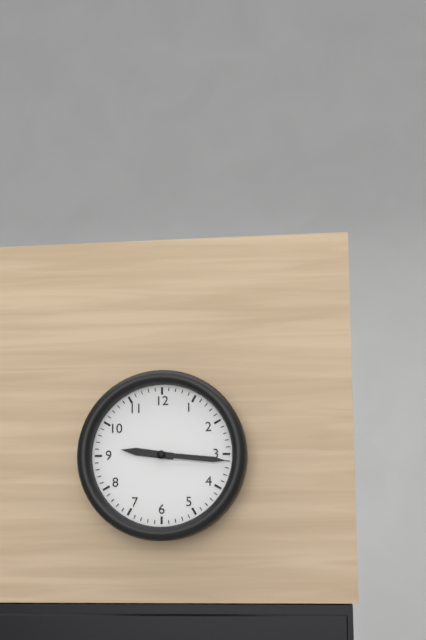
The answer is 9:16
